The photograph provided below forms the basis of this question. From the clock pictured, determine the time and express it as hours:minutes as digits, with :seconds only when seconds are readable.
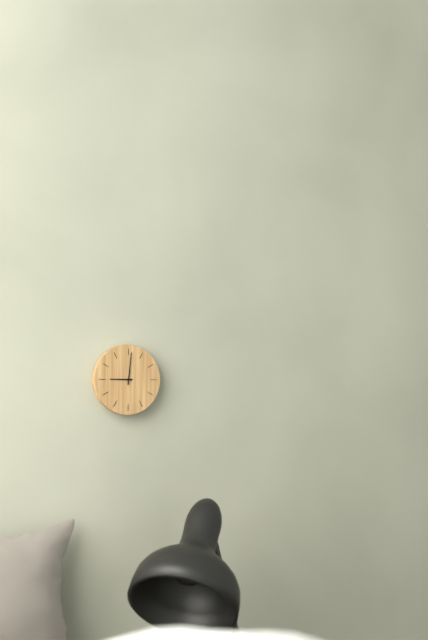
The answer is 9:01
